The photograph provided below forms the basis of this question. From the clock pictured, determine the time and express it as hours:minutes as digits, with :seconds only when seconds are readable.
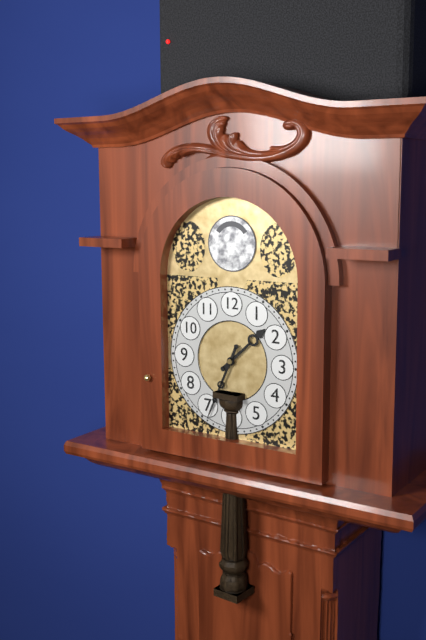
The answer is 1:34
